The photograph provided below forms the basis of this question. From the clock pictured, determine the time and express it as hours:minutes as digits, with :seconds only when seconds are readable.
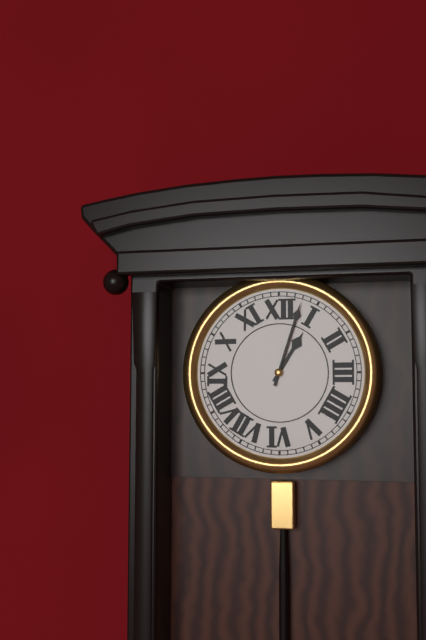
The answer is 1:03
